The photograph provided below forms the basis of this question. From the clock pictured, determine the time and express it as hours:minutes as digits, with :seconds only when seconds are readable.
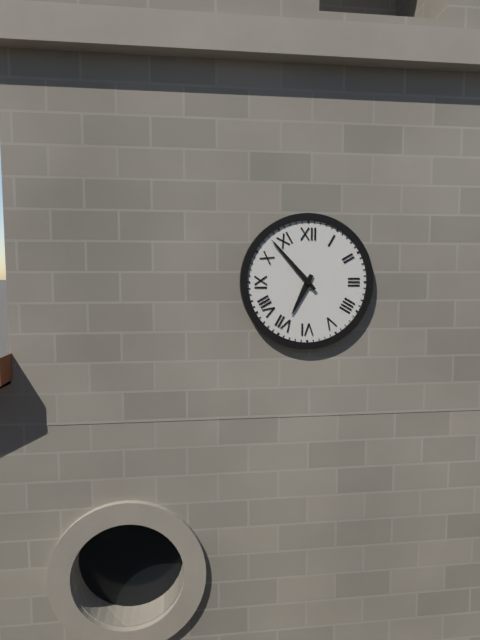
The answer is 6:53
